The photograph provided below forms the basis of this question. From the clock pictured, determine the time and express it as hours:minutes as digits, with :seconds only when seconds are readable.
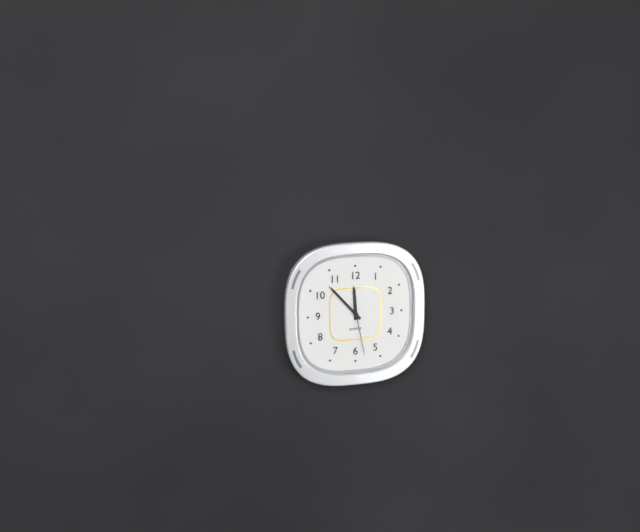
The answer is 11:53:28
